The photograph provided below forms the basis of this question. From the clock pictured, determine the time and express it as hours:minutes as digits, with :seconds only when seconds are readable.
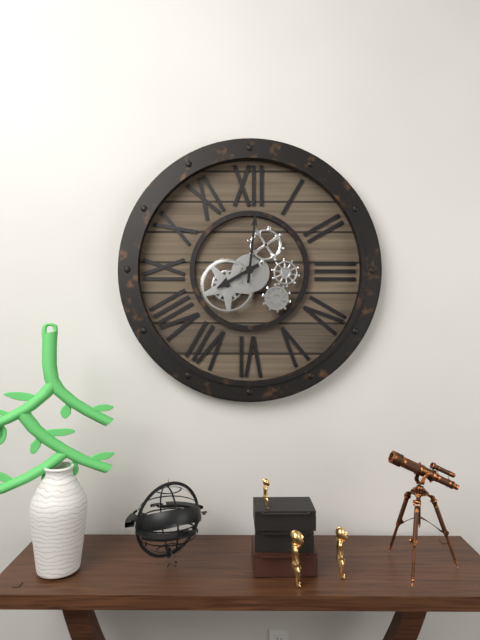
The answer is 8:01
